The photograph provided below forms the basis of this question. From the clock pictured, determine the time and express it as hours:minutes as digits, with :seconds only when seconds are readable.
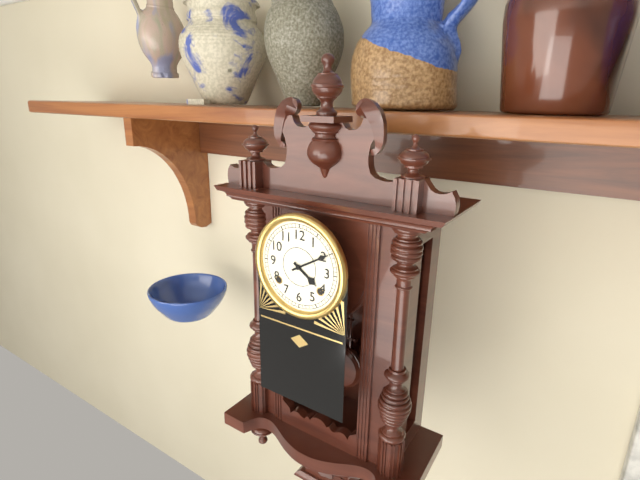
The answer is 4:10
